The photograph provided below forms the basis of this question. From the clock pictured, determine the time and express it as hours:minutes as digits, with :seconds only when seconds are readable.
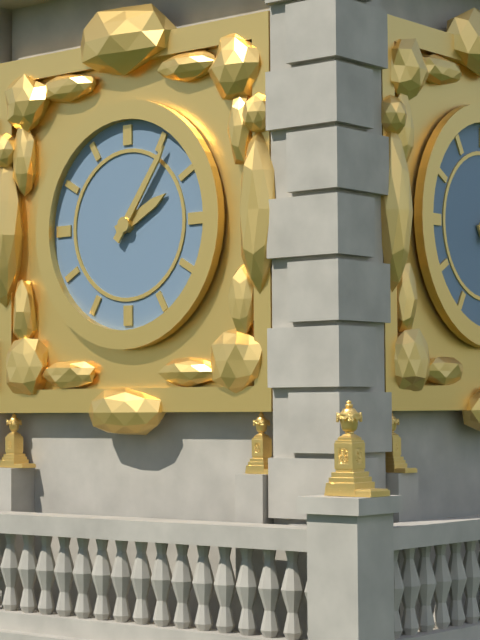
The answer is 2:06
